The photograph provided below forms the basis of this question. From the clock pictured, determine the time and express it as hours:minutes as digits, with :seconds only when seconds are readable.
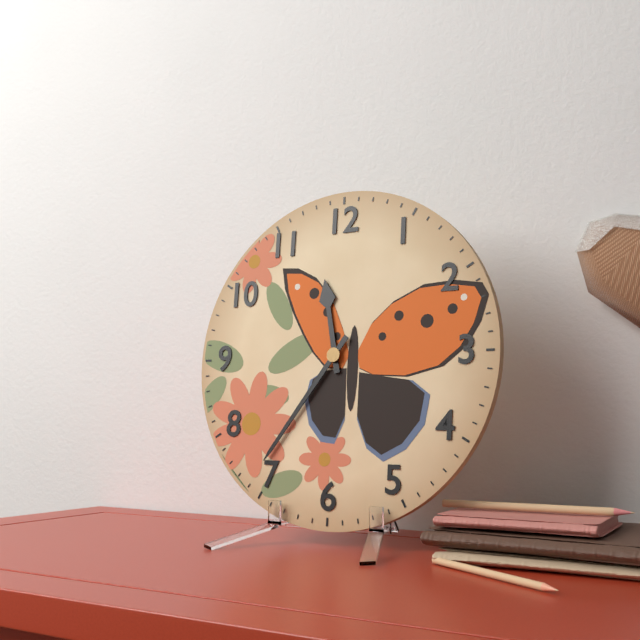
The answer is 11:36
